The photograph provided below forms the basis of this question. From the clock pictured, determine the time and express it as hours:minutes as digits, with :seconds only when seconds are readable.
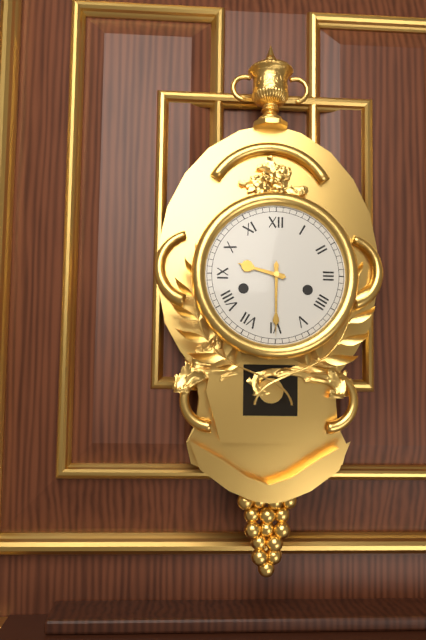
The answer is 9:30
